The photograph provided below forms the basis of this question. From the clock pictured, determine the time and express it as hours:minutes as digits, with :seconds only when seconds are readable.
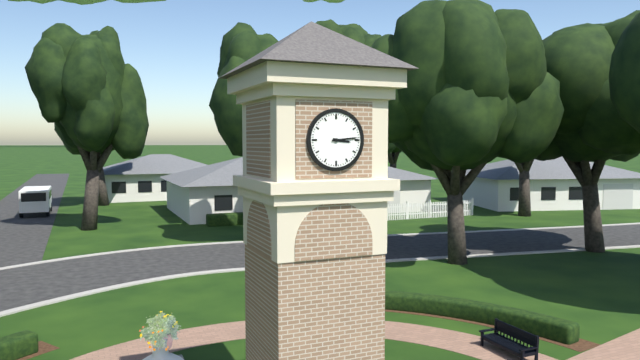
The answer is 3:14
